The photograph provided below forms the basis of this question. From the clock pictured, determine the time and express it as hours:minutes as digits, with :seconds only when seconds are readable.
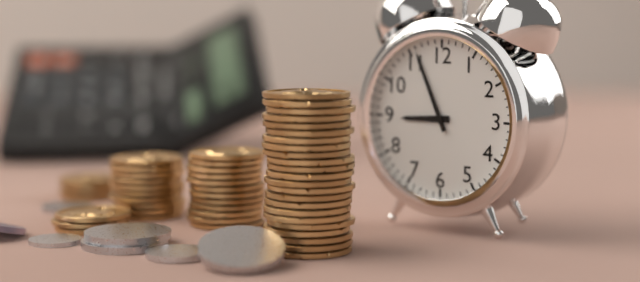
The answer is 8:56
